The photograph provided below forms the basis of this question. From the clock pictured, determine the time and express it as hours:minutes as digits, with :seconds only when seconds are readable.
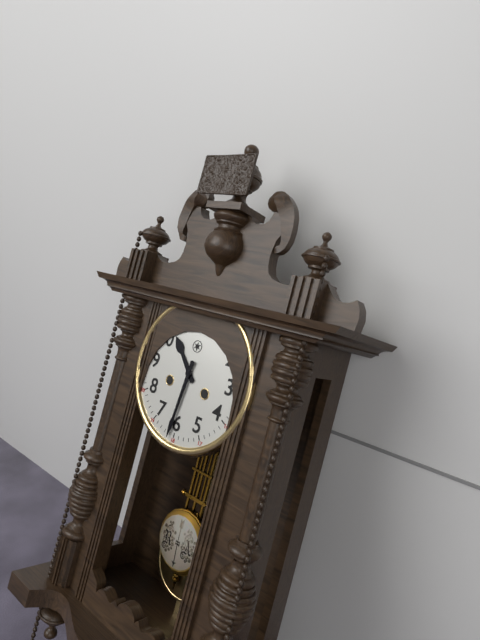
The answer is 10:31
